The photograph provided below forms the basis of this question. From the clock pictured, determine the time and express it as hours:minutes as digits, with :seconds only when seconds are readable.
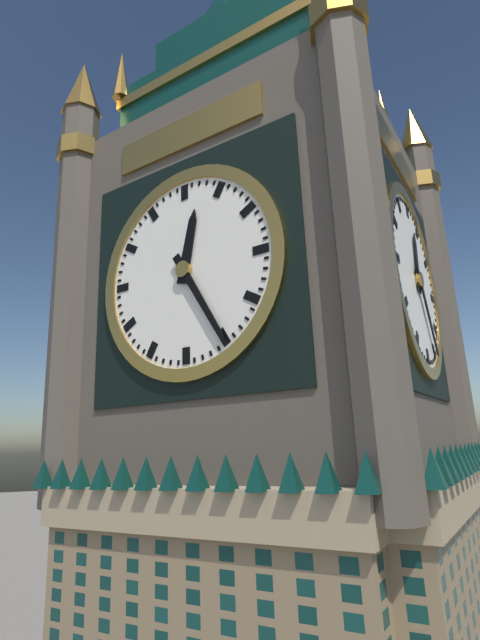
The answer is 12:25
